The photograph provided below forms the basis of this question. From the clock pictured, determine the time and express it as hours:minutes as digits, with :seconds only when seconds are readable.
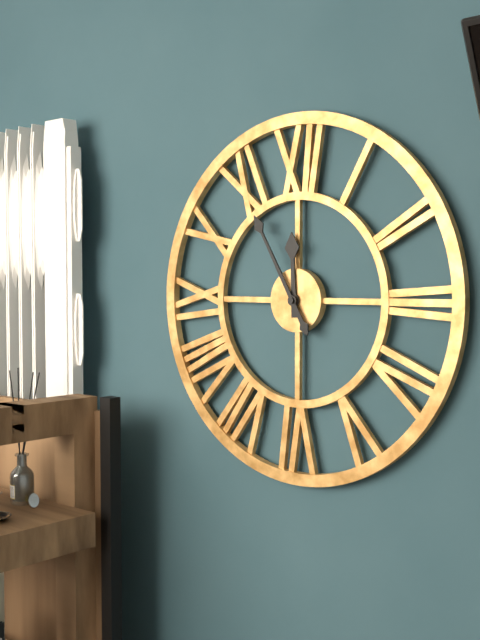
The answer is 11:55
